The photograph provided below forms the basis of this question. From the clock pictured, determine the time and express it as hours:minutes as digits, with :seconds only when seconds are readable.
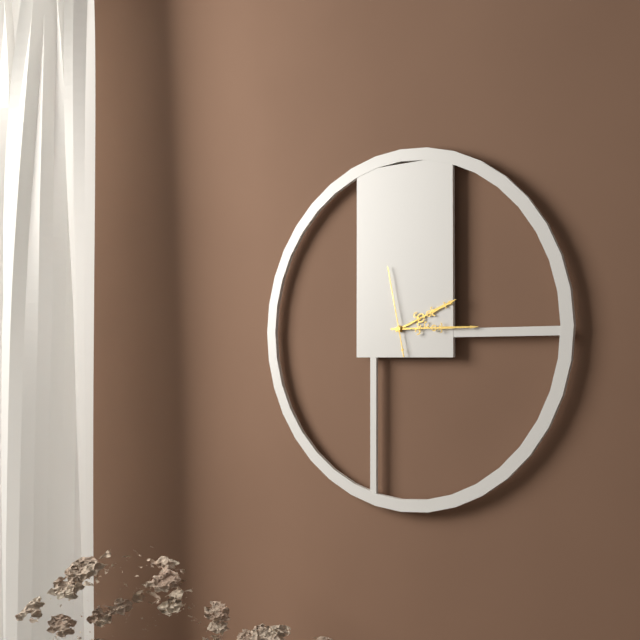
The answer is 2:15:58
